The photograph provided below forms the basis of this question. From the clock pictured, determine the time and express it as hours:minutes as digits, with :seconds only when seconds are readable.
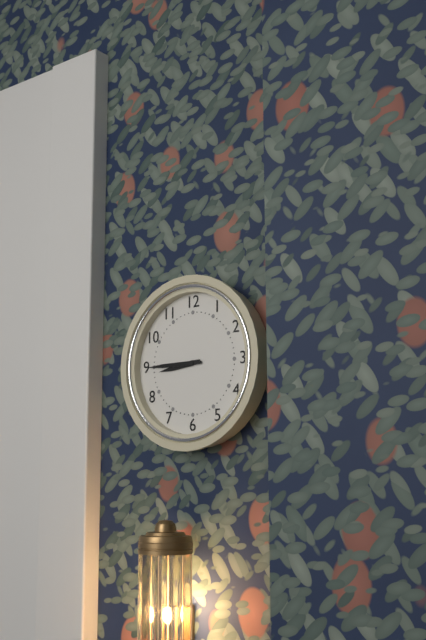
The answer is 8:45
